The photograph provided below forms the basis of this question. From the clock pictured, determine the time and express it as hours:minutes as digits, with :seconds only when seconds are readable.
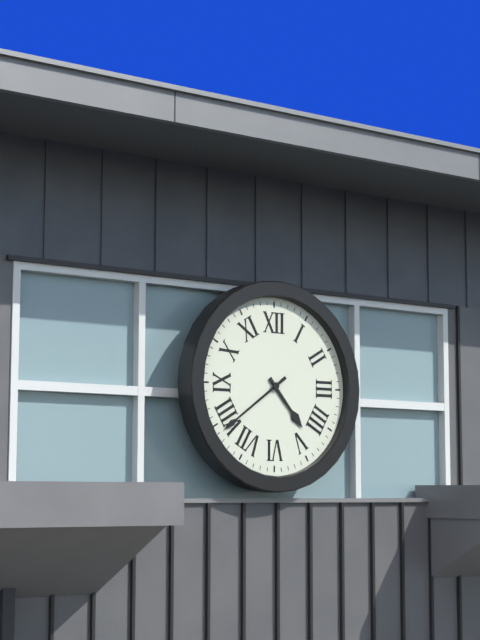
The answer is 4:39
